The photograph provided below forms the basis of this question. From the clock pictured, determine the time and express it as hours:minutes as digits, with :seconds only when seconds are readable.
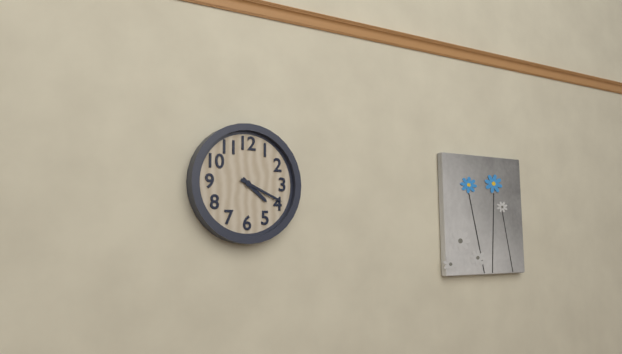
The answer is 4:19
